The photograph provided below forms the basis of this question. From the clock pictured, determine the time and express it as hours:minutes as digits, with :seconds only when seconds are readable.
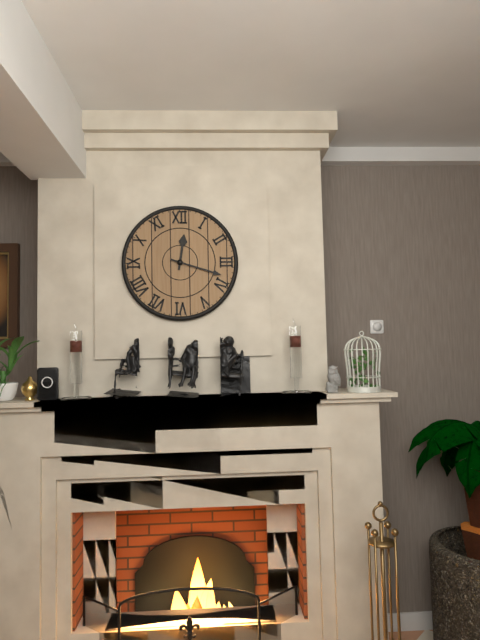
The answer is 12:18
